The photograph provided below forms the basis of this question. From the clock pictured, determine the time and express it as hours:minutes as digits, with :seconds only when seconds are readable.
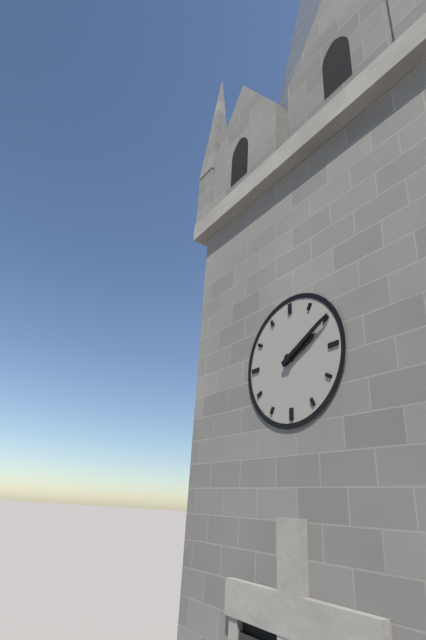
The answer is 2:10
